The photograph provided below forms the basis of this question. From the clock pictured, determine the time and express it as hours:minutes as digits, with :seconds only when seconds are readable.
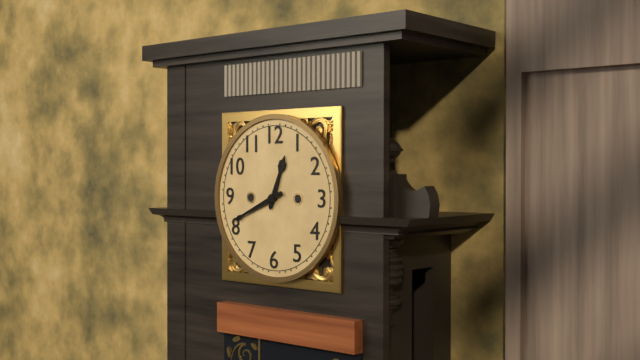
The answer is 12:41
